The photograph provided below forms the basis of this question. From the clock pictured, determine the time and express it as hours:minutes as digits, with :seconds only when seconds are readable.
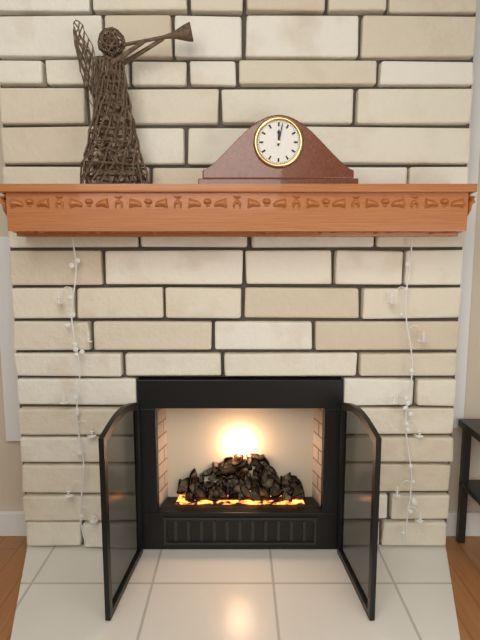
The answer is 12:02
